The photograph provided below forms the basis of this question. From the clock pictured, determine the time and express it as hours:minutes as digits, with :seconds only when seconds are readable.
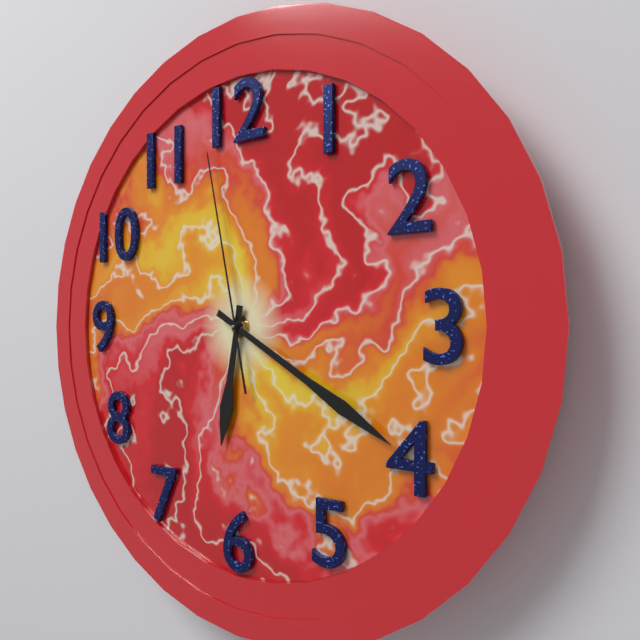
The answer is 6:20:58
